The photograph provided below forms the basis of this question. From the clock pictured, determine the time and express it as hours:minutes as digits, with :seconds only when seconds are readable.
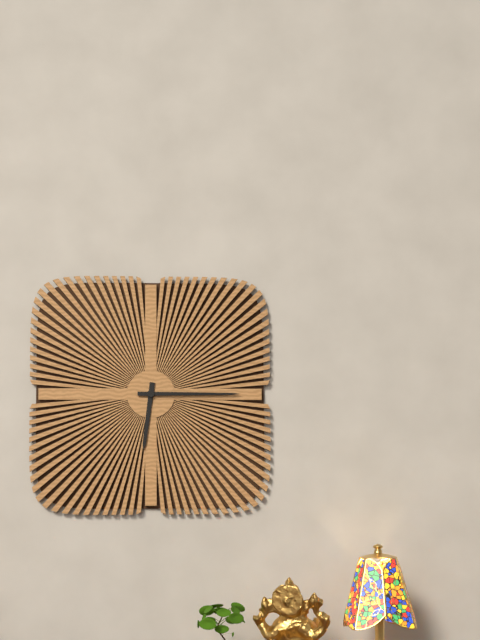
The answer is 6:15
